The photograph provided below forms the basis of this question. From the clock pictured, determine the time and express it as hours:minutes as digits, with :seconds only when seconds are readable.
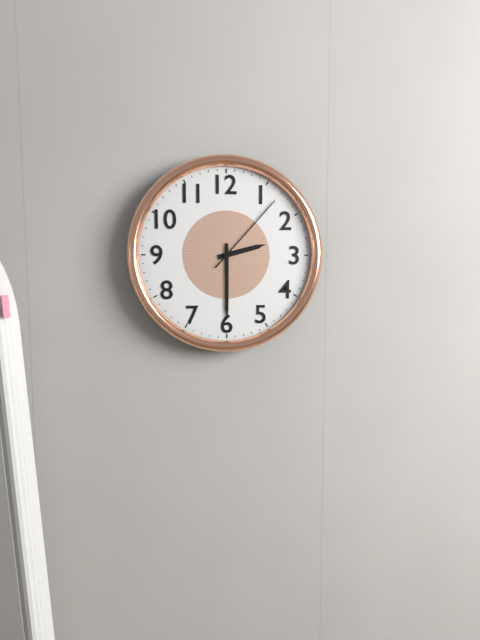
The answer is 2:30:07
